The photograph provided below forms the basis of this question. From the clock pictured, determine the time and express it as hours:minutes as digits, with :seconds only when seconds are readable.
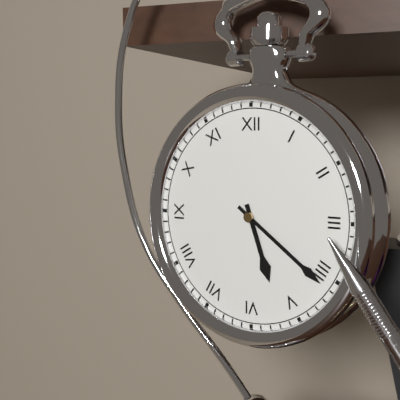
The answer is 5:21
